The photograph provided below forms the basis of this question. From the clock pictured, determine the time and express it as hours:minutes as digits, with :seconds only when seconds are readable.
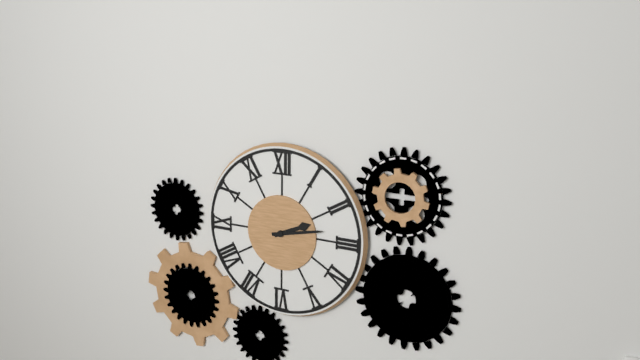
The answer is 2:13
